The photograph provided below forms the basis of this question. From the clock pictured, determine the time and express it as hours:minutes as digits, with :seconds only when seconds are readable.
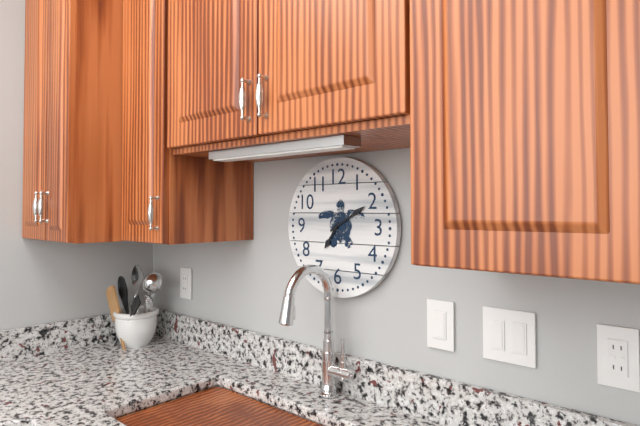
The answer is 7:10
